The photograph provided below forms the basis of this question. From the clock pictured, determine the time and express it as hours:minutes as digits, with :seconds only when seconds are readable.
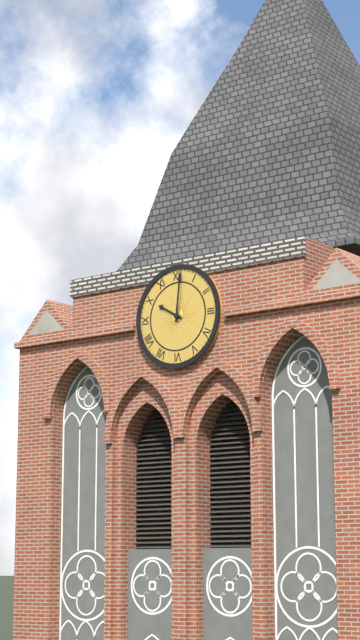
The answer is 10:01
